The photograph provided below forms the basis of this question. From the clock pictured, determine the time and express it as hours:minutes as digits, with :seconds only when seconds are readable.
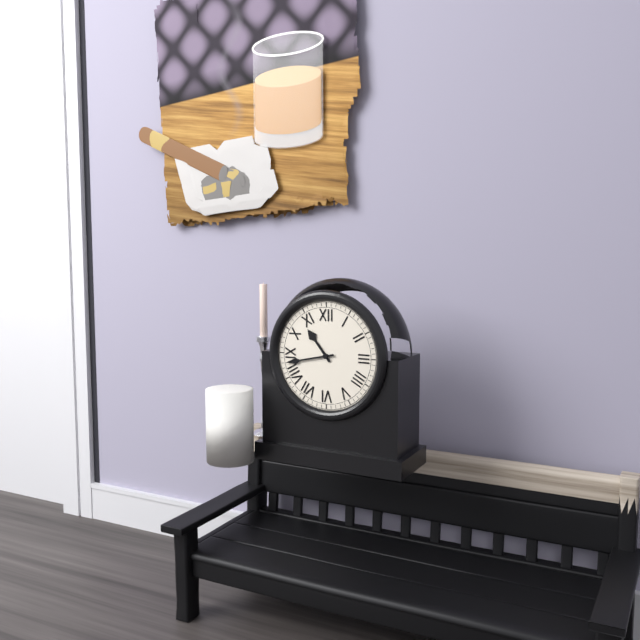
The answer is 10:43
